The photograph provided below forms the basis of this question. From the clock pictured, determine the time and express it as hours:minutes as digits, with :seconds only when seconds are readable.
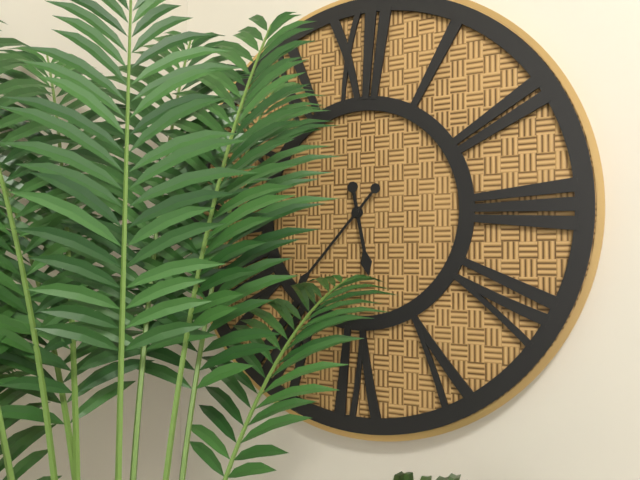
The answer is 5:37
